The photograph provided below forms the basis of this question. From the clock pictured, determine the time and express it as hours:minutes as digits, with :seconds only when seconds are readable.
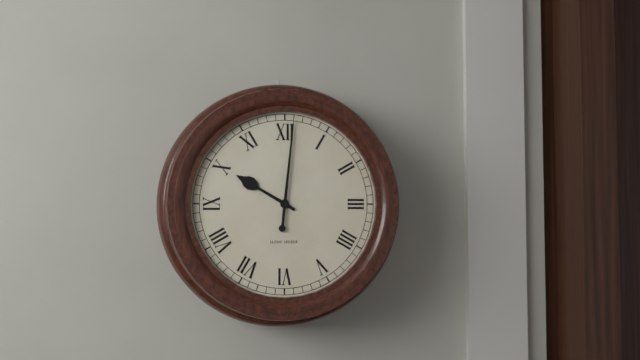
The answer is 10:01
